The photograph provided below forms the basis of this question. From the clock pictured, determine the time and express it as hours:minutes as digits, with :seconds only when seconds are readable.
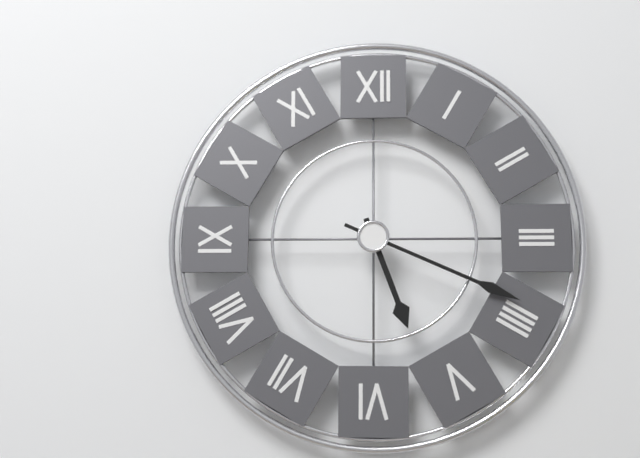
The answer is 5:19
